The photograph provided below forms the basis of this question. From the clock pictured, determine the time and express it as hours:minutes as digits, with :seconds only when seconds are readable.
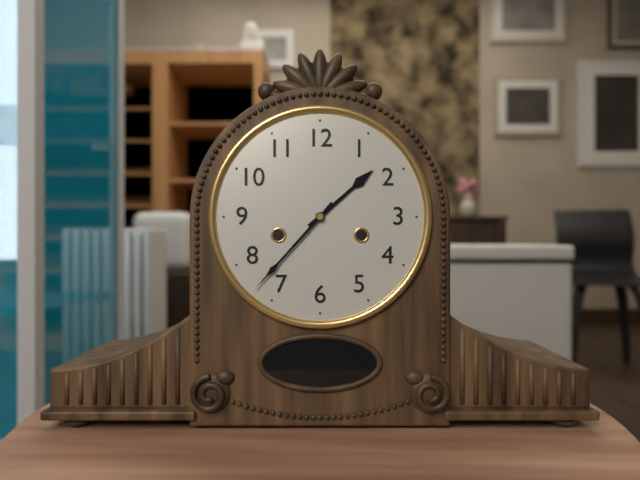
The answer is 1:37
